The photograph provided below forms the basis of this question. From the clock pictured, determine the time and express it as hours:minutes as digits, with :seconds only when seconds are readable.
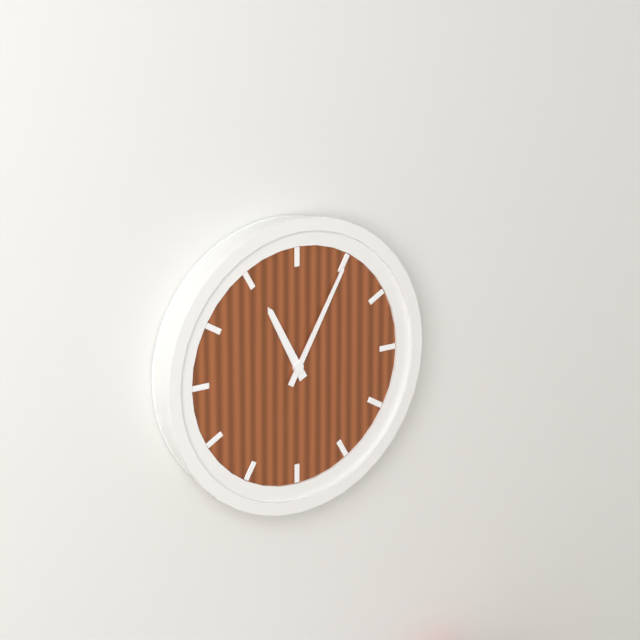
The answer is 11:05
